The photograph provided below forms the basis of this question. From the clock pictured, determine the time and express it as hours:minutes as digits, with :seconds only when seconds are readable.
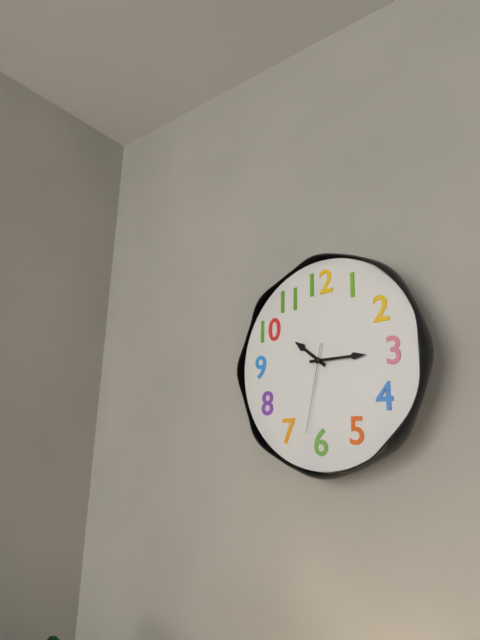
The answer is 10:15:32
